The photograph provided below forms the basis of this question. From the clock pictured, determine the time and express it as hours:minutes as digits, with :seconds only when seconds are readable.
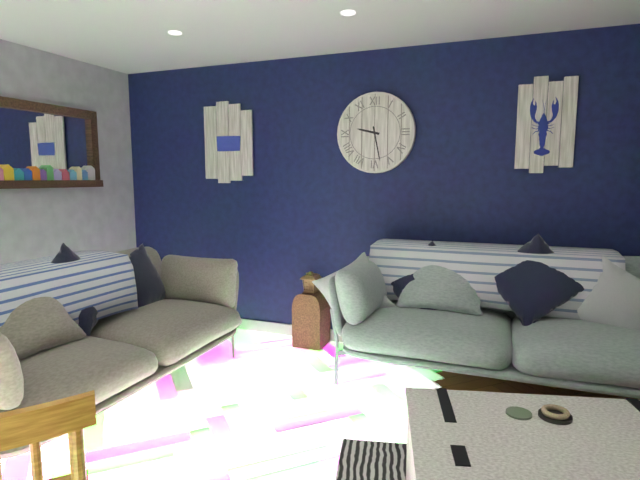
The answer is 9:28
